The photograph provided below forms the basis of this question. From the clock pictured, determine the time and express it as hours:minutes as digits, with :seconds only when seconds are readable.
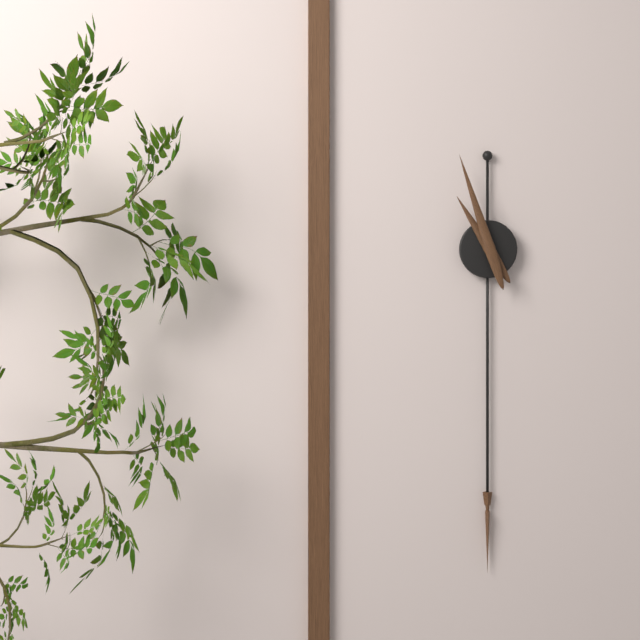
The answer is 10:57
